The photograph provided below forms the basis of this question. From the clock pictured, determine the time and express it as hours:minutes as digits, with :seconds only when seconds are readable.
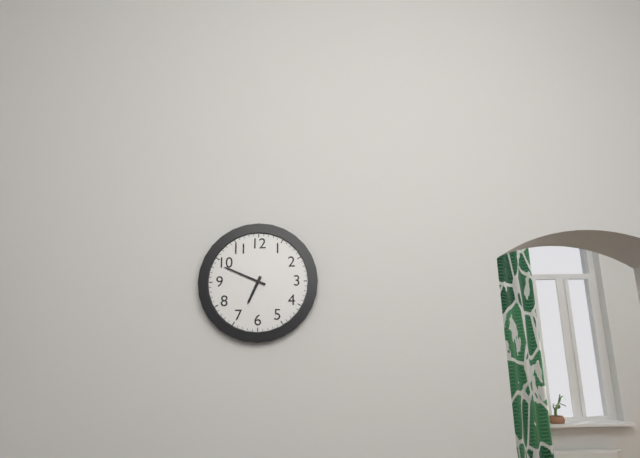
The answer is 6:49
